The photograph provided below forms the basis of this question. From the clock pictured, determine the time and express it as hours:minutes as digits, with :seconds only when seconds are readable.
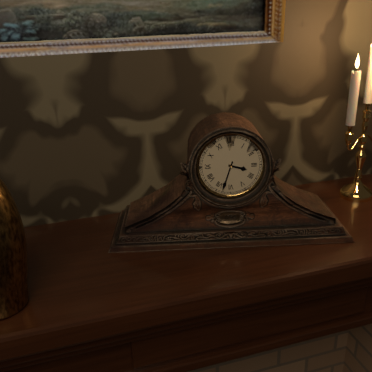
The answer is 3:33
